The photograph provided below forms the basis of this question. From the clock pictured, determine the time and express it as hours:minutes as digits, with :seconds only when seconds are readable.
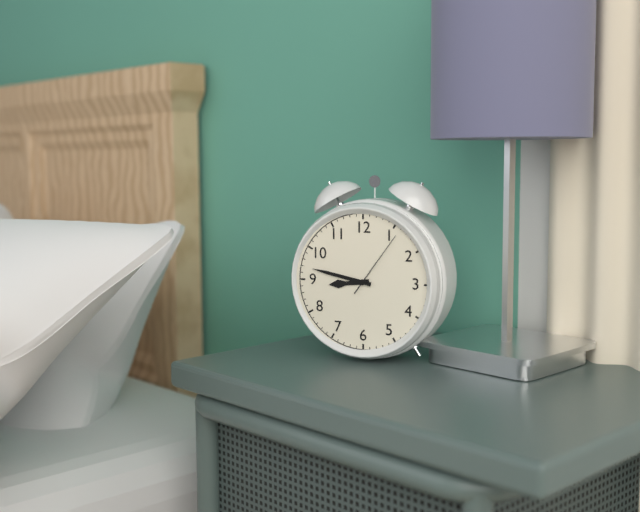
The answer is 8:47:06
